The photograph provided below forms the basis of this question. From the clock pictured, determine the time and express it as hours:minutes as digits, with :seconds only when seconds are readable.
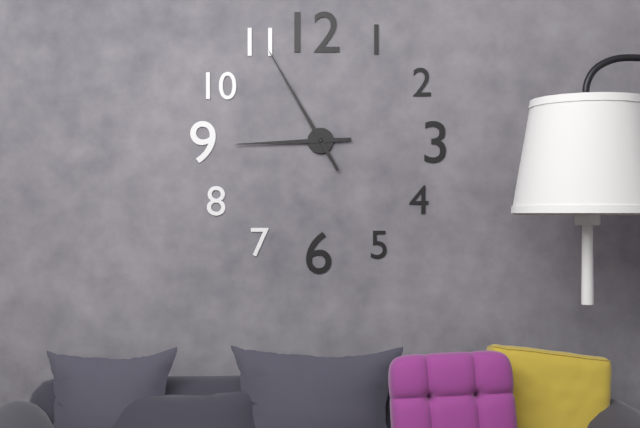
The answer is 8:55
